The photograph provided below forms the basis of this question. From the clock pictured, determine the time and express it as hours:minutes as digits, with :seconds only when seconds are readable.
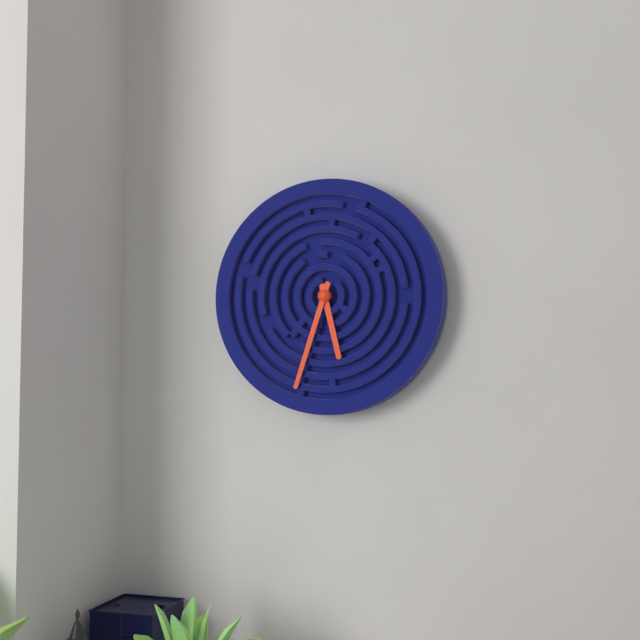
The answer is 5:33
